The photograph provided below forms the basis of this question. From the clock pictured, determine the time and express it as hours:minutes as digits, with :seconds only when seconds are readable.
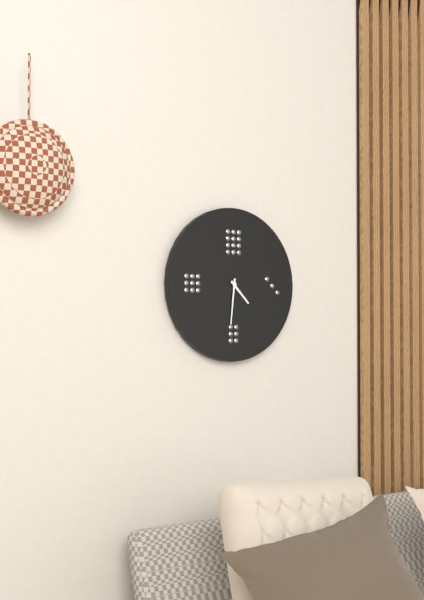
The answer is 4:31
